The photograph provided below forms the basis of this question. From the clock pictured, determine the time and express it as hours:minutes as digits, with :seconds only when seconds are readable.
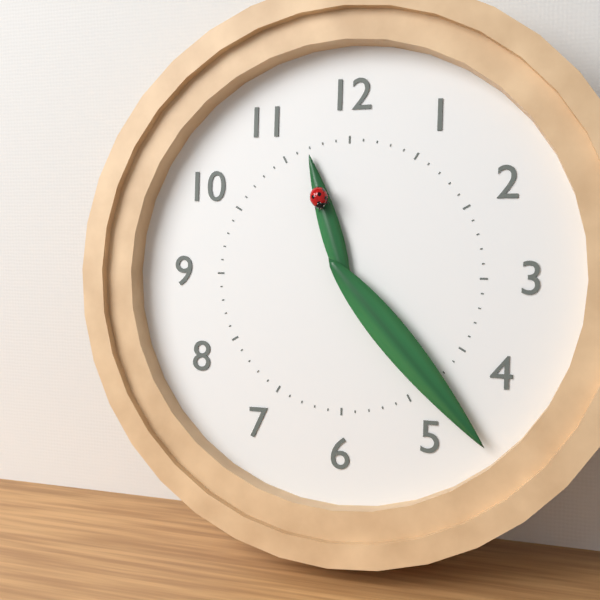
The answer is 11:23
